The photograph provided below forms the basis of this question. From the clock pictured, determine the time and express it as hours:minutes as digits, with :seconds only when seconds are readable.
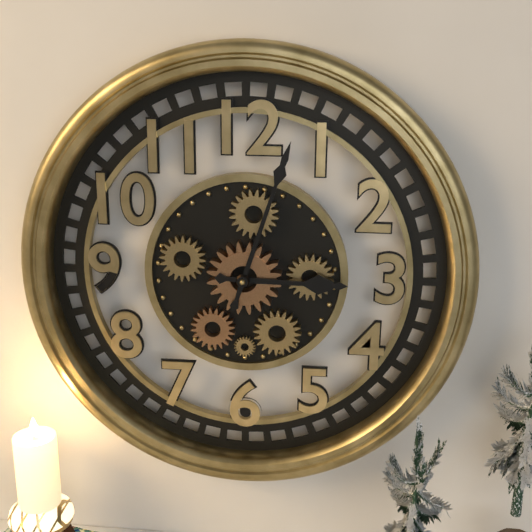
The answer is 3:03
